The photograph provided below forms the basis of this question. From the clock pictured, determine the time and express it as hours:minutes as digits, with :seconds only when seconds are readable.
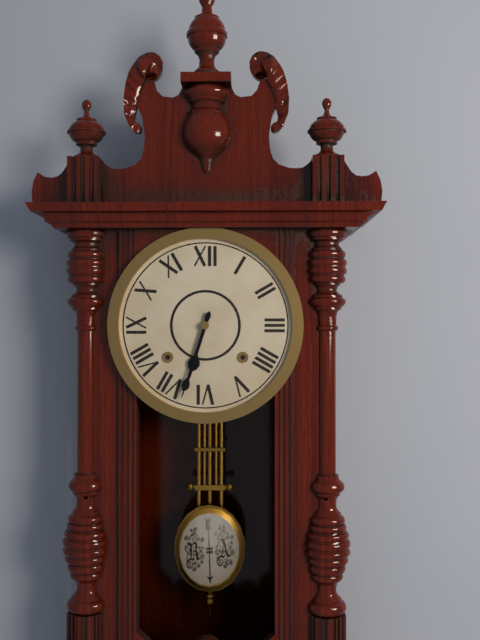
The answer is 6:33
